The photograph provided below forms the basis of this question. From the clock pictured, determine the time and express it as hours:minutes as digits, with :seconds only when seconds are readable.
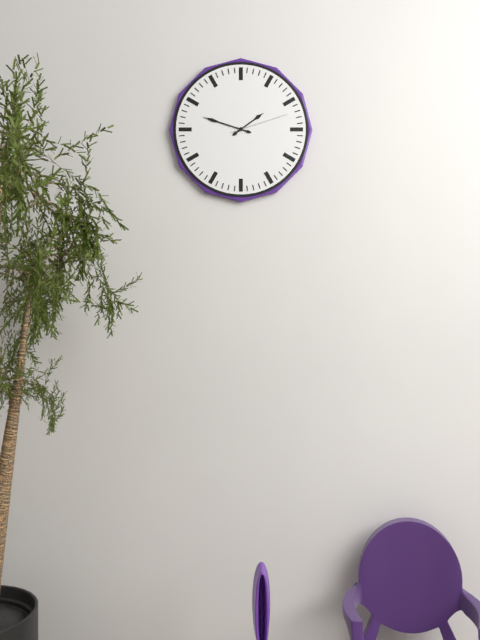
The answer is 1:48:12
